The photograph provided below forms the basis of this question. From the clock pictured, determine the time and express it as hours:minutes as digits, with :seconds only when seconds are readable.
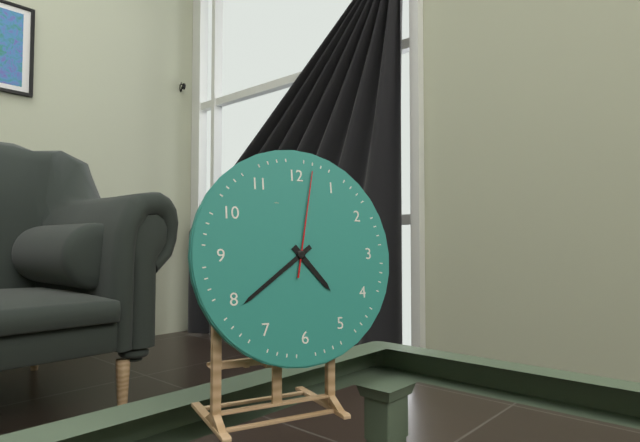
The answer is 4:39:02
